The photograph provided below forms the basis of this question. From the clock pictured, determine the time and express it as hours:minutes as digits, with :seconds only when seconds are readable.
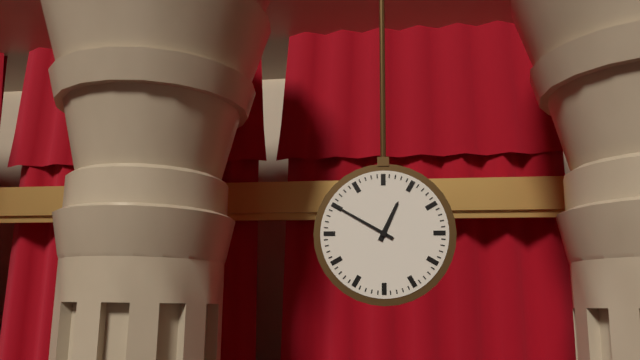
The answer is 12:50
